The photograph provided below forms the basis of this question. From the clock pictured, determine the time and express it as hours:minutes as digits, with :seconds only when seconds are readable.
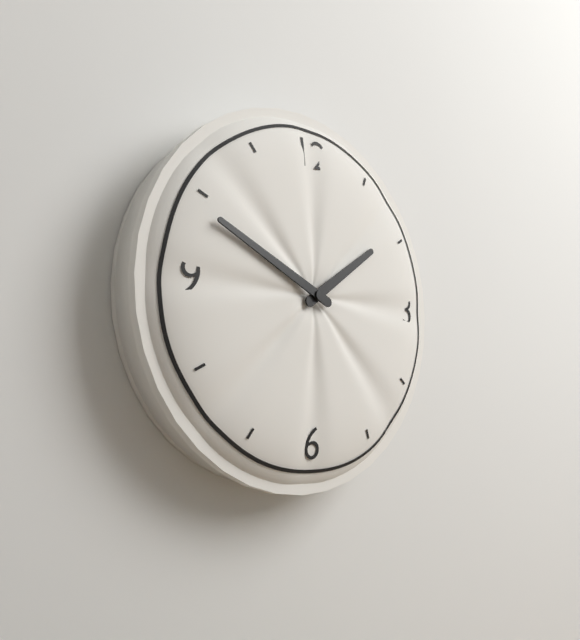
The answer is 1:49
